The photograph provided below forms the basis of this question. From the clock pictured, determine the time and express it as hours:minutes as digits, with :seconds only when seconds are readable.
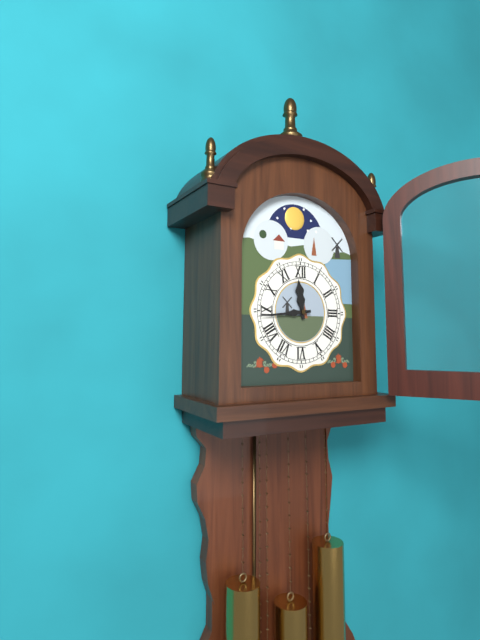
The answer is 11:44
